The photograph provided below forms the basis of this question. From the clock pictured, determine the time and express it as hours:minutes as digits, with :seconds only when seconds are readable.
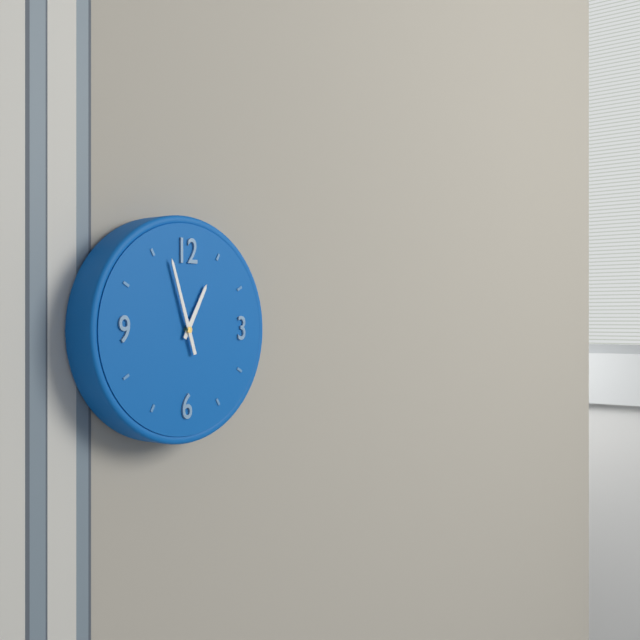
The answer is 12:57
